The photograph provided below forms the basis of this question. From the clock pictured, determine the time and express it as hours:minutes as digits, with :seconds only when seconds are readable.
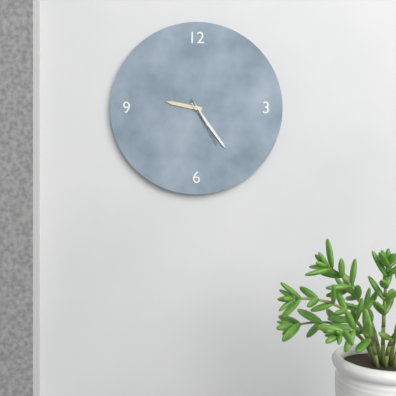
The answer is 9:24:25
